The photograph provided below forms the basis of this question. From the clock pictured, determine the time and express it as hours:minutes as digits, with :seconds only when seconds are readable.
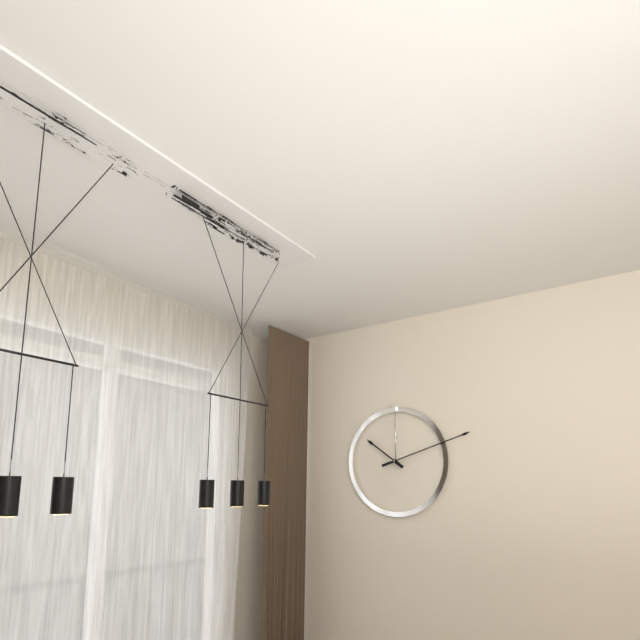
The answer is 10:12
